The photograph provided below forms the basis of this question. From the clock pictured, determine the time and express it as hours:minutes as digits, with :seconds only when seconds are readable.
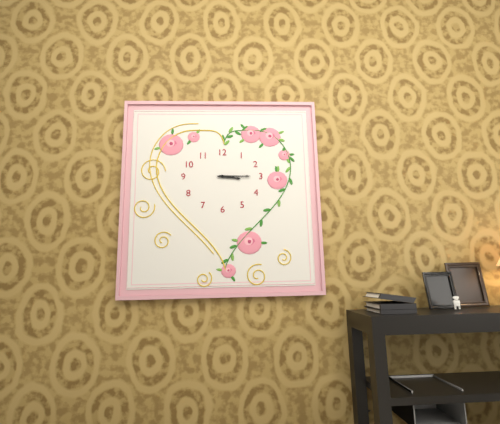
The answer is 3:15
